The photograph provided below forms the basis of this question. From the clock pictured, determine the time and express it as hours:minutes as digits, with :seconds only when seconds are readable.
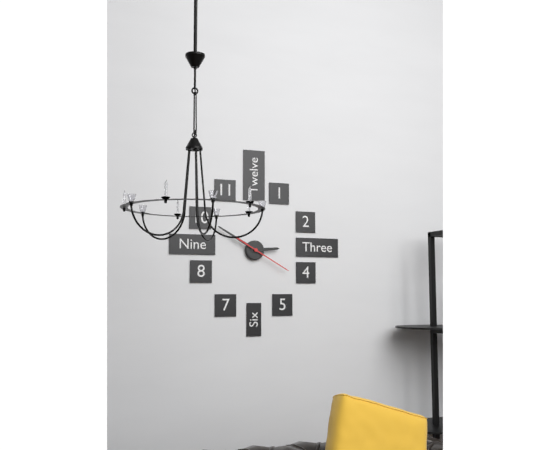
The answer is 2:50
